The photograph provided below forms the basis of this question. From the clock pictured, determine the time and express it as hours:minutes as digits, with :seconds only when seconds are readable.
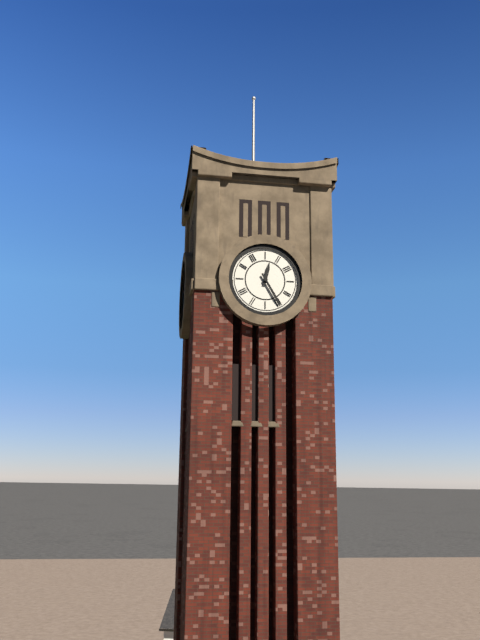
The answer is 12:25
